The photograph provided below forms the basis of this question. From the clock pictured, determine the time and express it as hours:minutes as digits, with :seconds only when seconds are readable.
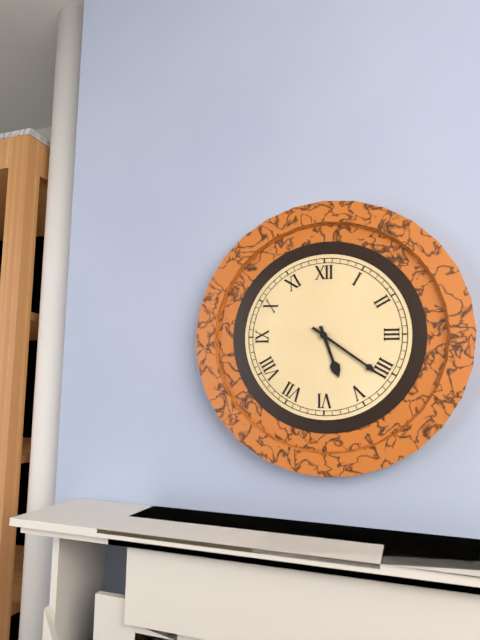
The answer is 5:21
